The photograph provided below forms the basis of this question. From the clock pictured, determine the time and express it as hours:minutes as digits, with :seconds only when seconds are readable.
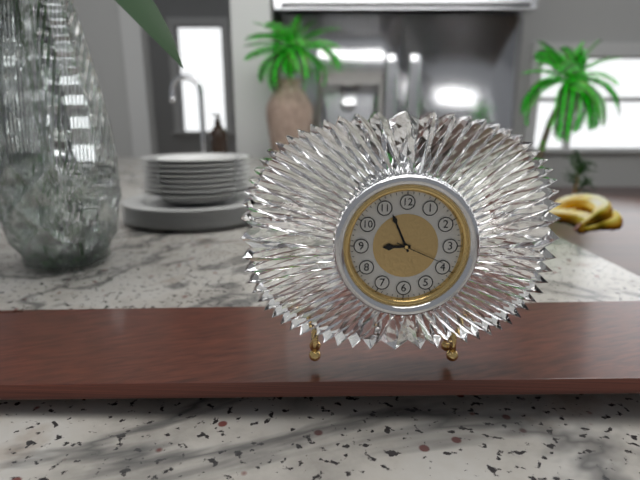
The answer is 8:56:19
